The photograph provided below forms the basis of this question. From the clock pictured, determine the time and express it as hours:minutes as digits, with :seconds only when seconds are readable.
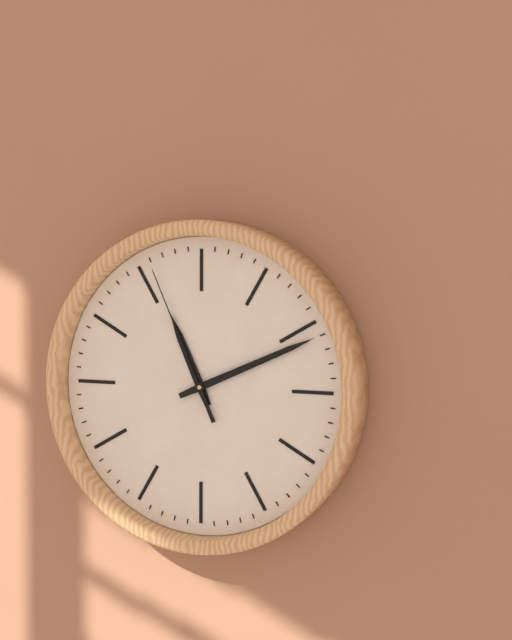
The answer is 11:11:56
